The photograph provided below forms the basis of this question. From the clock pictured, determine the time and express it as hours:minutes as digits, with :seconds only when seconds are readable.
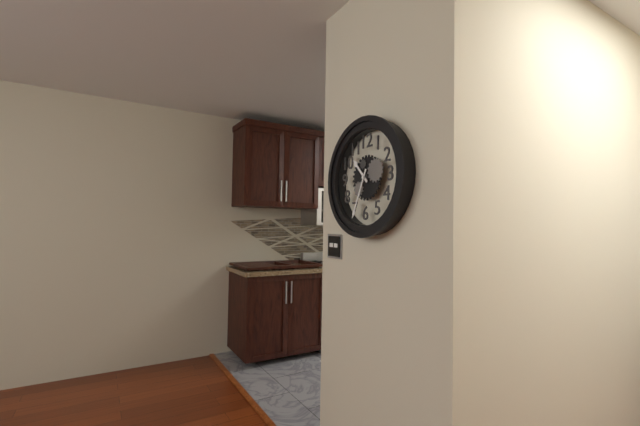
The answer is 10:34
